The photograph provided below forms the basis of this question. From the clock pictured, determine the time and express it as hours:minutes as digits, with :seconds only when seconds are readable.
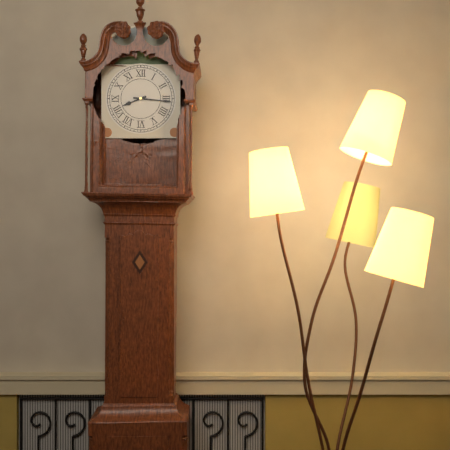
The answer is 8:16
